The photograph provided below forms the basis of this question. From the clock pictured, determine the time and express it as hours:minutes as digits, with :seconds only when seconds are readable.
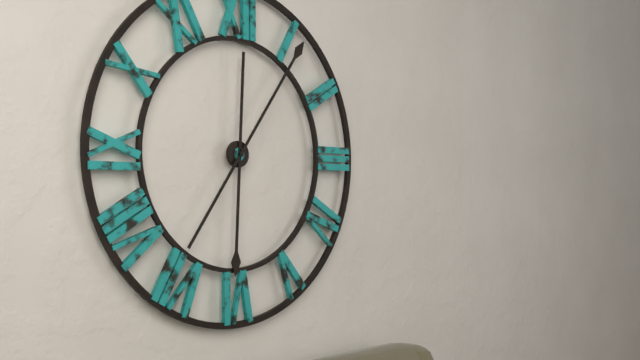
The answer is 6:06
